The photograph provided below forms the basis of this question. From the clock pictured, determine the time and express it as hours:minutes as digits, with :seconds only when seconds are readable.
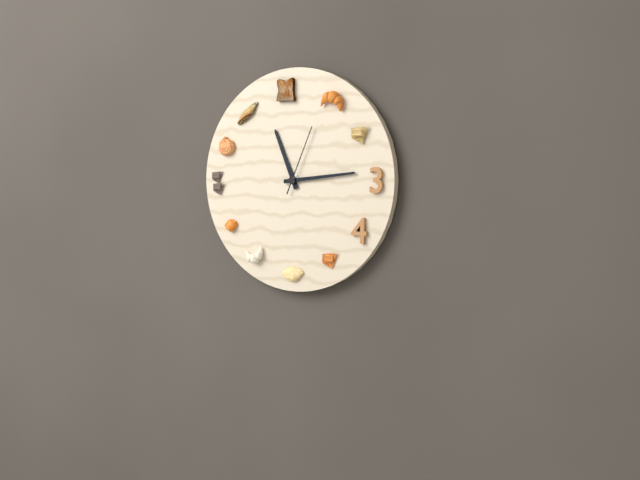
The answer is 11:14:04
